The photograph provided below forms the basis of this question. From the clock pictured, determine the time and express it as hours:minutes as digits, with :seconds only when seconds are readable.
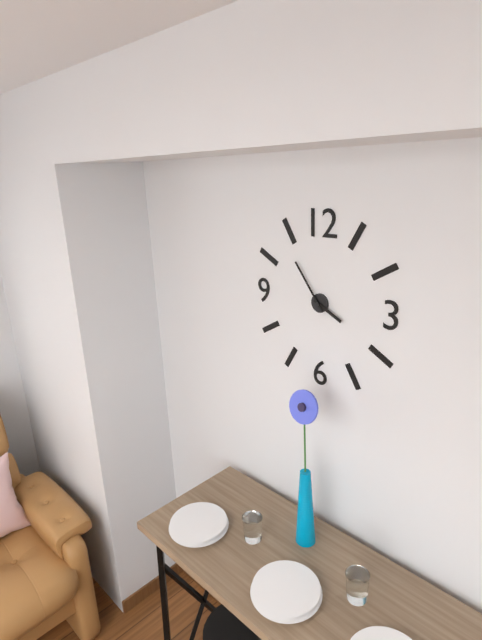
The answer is 3:54
